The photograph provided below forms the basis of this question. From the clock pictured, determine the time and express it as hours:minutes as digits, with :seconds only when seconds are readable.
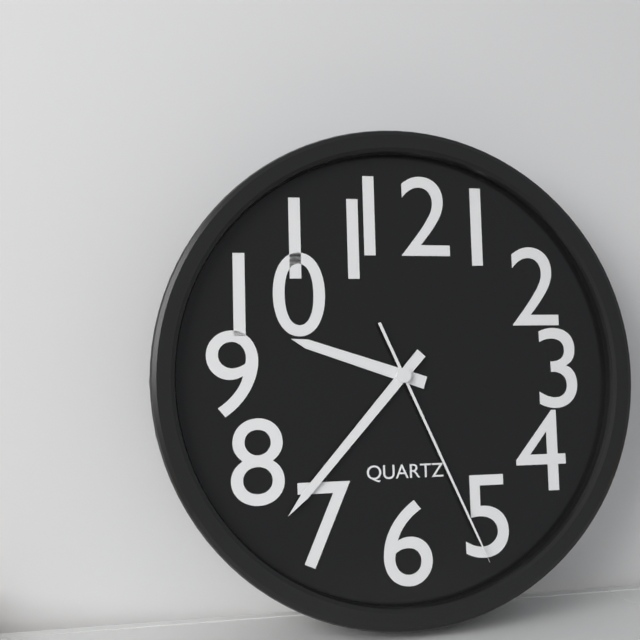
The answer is 9:37:26
